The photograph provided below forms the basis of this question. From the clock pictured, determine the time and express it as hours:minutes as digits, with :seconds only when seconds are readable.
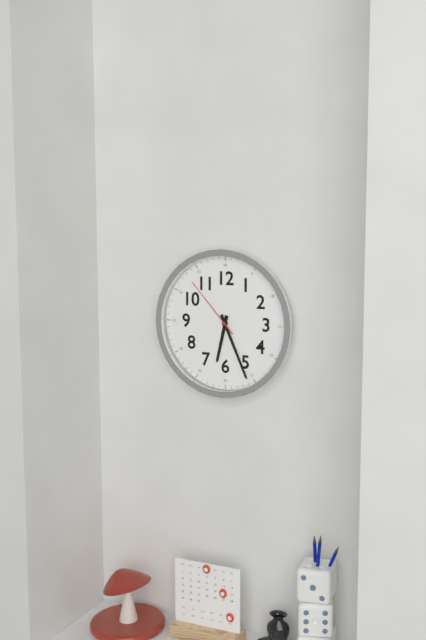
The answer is 6:26:53
